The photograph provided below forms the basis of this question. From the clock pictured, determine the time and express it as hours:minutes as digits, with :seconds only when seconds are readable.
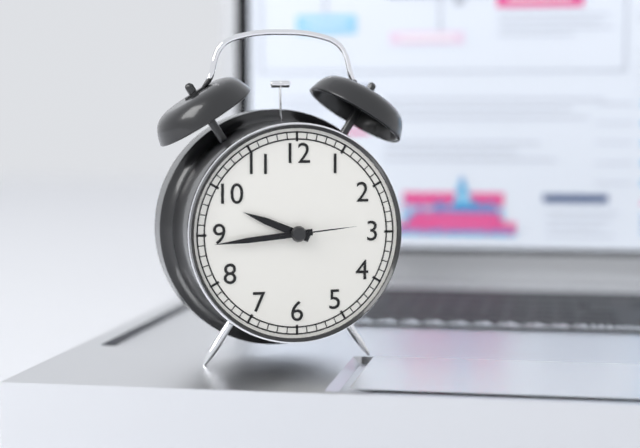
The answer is 9:44:14
